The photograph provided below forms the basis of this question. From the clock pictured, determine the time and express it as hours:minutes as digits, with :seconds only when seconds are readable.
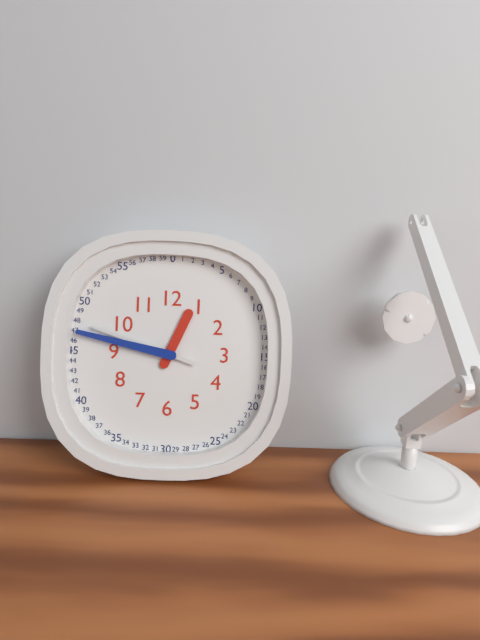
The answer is 12:47:48
